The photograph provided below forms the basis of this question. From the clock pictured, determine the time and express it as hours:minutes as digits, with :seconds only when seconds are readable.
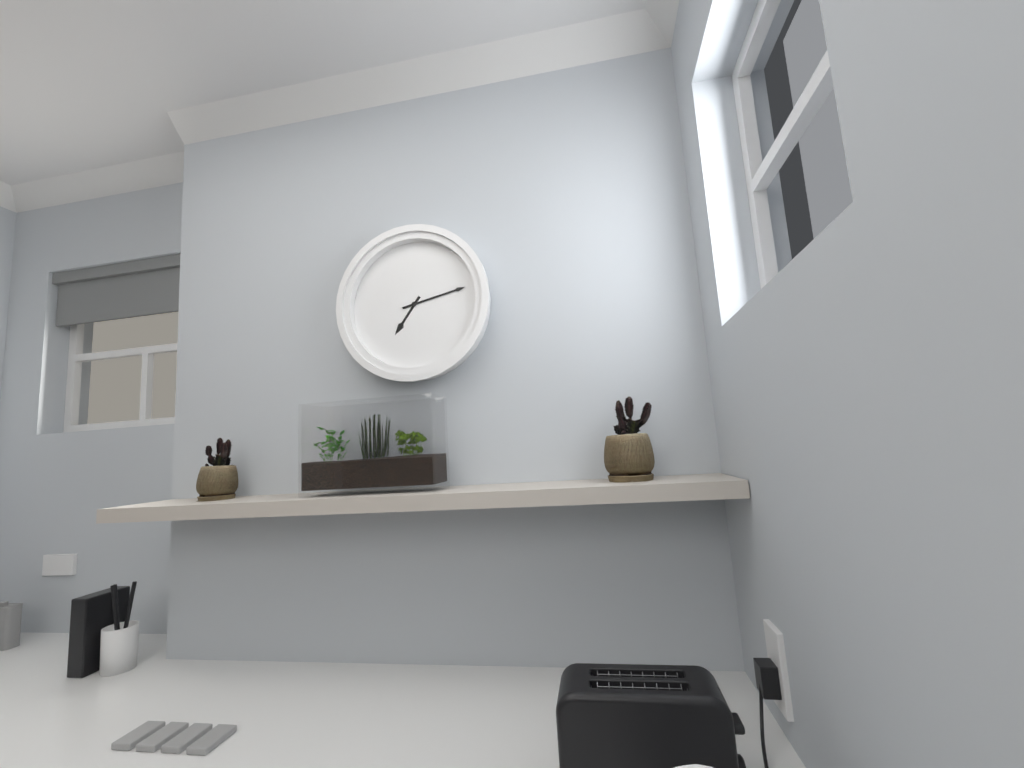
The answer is 7:13
